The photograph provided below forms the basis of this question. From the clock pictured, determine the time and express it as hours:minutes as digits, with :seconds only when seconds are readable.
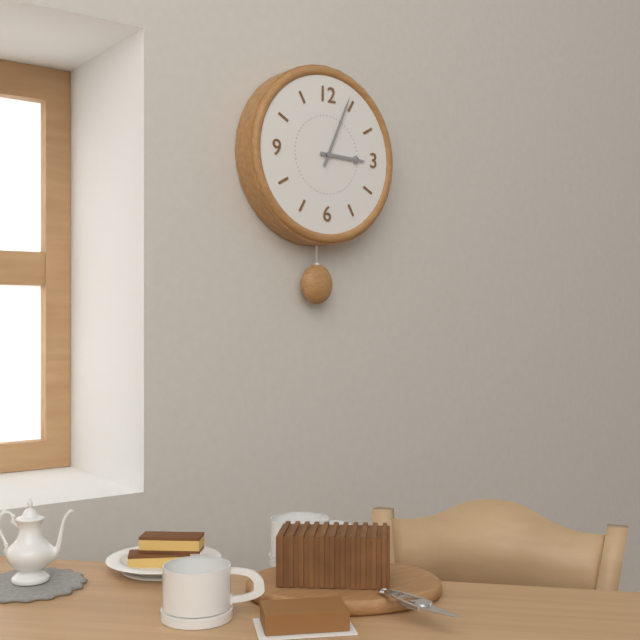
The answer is 3:04
